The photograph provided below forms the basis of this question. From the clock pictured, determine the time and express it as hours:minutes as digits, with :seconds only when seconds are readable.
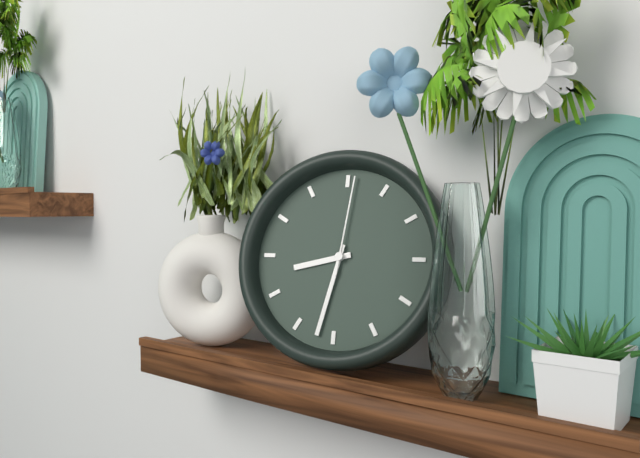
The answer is 8:32:01
